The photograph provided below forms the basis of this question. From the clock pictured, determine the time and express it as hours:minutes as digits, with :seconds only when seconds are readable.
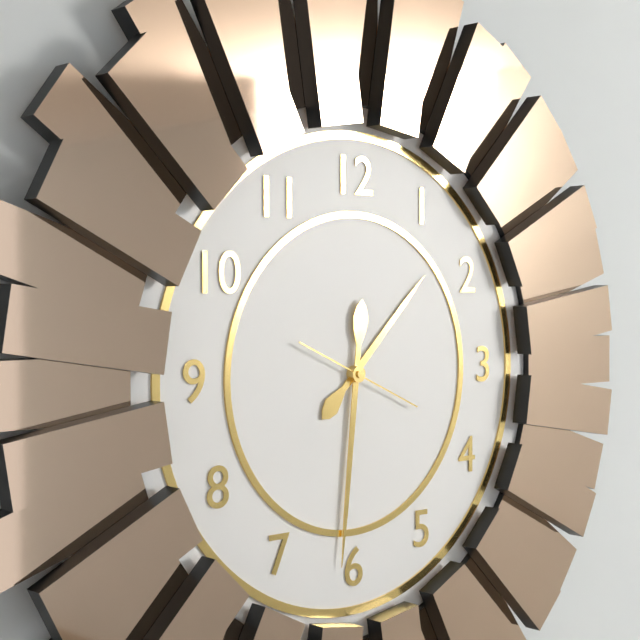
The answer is 1:31:19
